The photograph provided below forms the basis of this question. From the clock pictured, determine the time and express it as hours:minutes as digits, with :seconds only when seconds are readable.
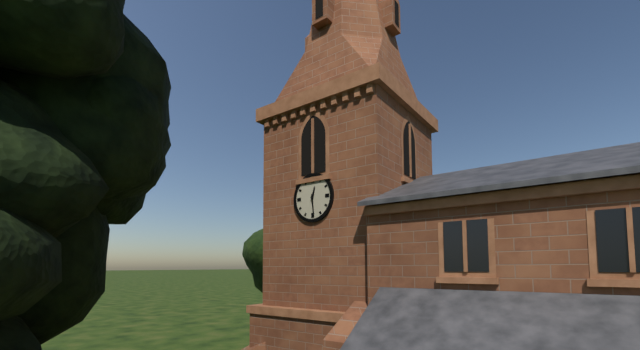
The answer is 12:29
